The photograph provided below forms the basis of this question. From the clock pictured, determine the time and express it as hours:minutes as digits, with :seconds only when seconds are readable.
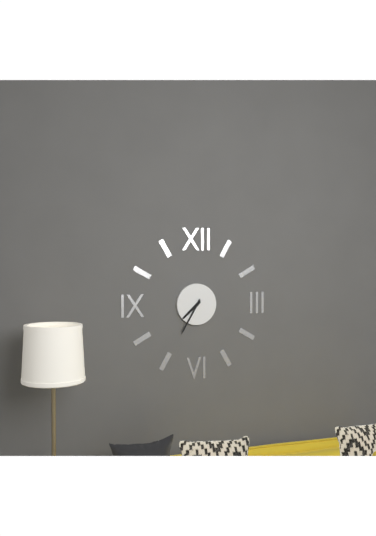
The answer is 7:35
